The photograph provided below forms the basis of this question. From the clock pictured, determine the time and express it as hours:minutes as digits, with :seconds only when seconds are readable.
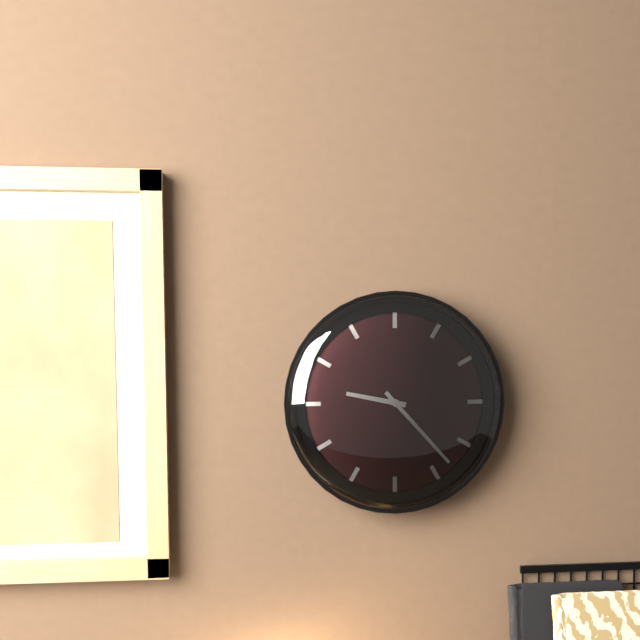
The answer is 9:23
